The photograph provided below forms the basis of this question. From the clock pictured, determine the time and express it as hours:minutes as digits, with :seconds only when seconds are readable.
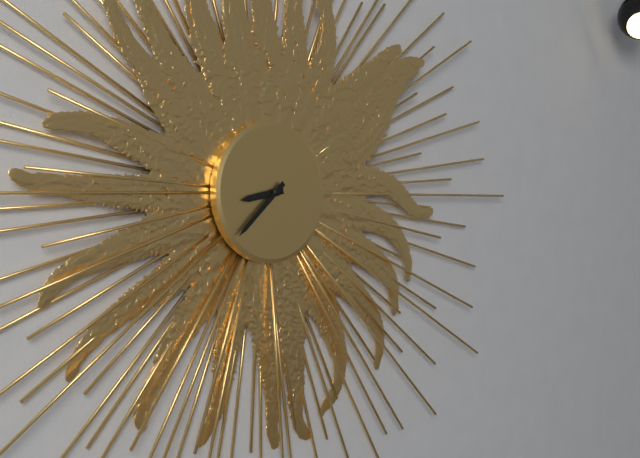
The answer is 8:38
